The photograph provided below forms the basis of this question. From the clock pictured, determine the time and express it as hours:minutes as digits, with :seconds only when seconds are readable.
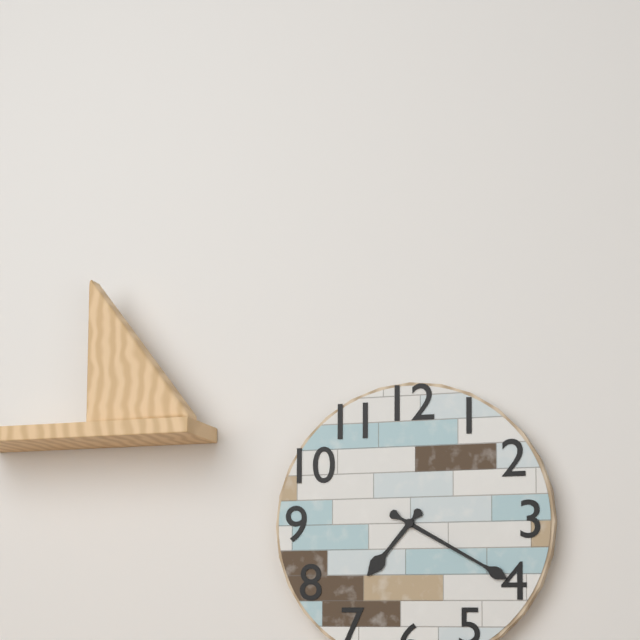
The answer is 7:20
